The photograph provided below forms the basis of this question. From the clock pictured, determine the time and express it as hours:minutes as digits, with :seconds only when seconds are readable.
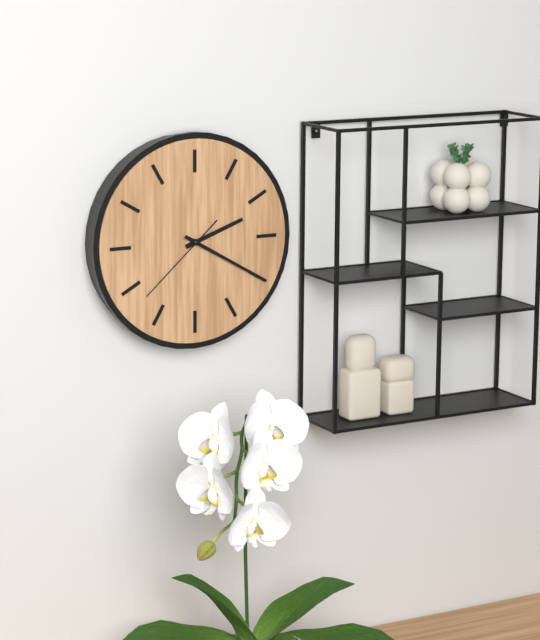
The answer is 2:20:38
